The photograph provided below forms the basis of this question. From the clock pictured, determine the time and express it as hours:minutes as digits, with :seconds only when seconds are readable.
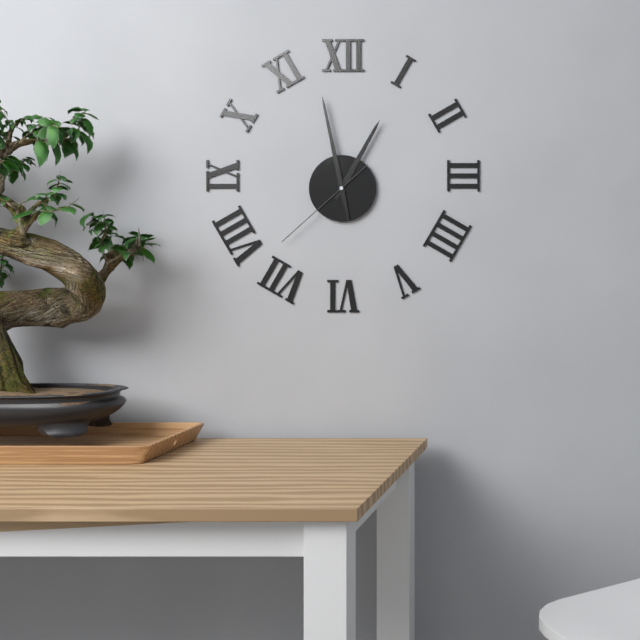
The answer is 12:58:38
